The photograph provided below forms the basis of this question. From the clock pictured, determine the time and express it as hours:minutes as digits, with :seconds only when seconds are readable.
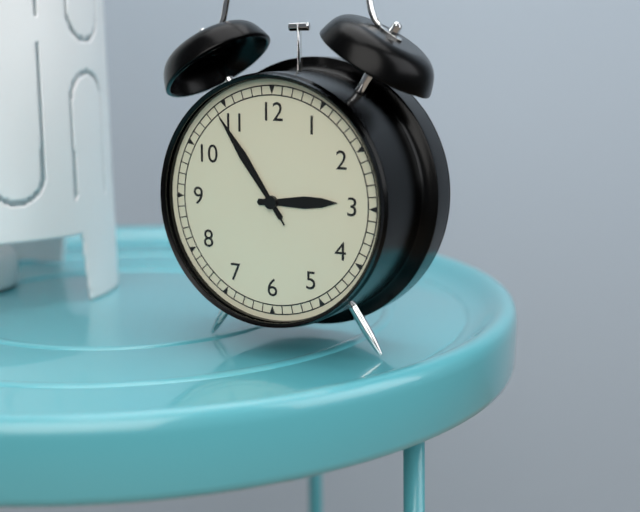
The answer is 2:54:54
